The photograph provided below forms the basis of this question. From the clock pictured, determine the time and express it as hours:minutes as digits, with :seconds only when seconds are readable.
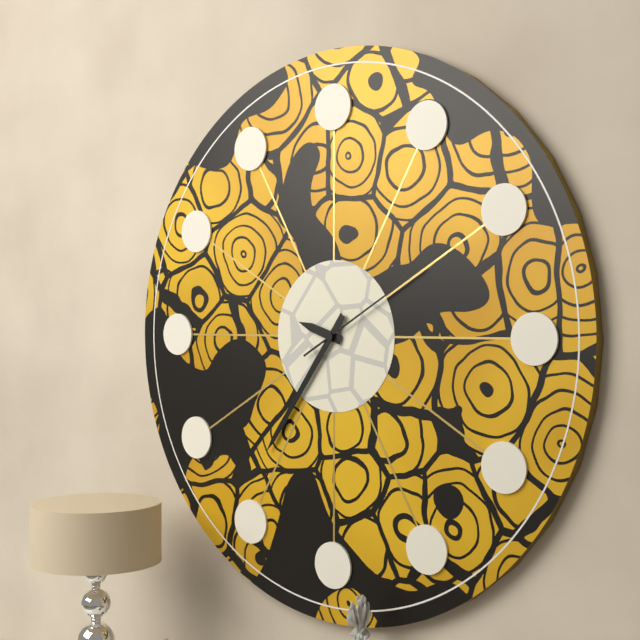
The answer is 9:36:10
